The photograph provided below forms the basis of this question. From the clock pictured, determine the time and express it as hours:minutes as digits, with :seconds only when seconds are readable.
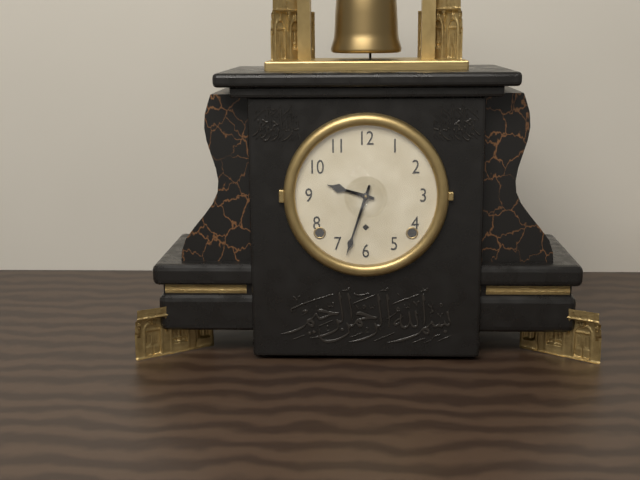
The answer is 9:33
